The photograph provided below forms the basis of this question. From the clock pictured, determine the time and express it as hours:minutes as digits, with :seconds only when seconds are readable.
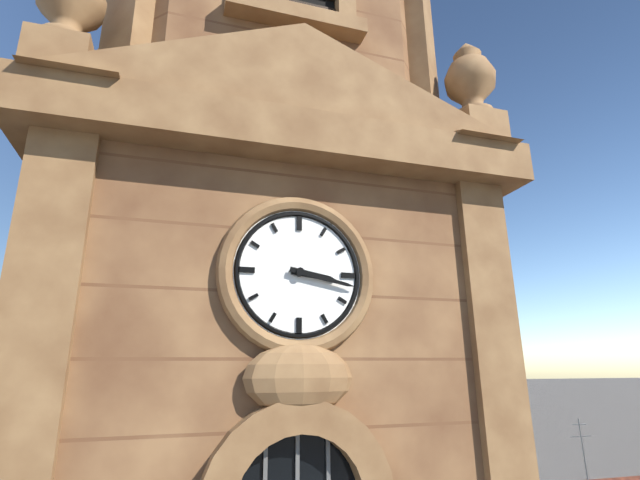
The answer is 3:17
